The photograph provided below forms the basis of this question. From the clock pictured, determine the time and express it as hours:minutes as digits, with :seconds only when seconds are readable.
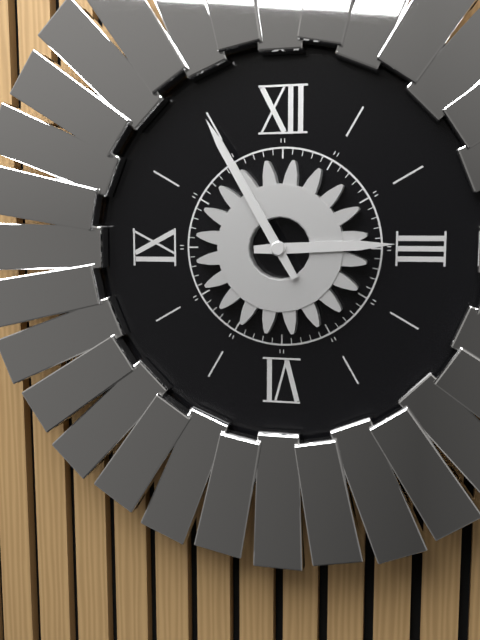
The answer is 2:55
